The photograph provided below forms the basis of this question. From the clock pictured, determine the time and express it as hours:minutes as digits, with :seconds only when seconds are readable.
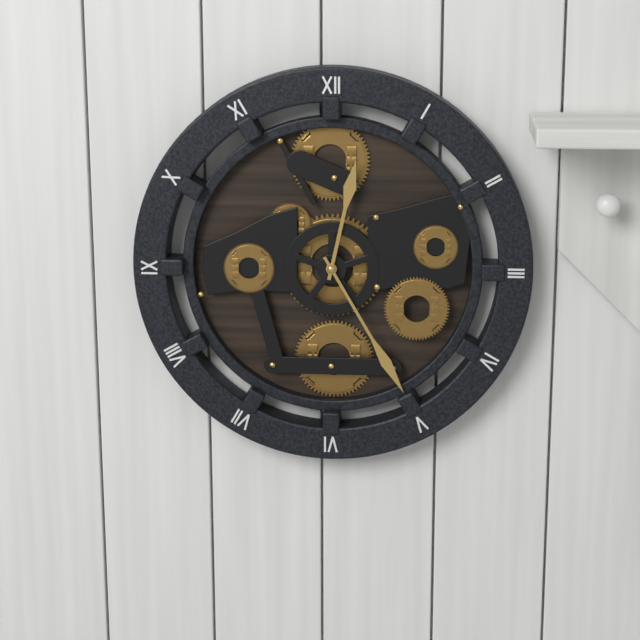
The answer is 12:25
